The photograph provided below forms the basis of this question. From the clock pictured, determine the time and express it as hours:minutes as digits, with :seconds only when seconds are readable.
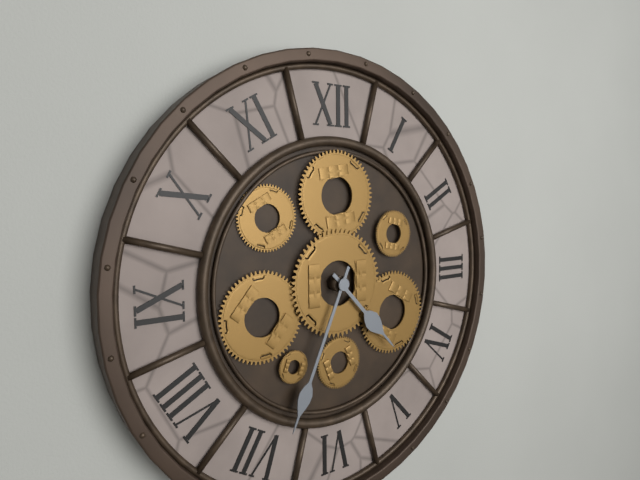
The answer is 4:34
